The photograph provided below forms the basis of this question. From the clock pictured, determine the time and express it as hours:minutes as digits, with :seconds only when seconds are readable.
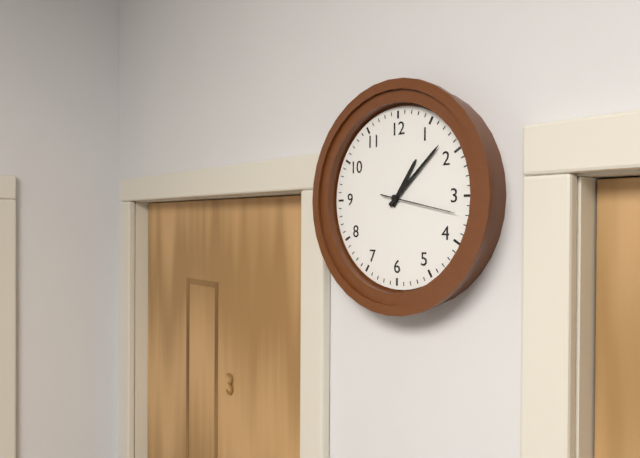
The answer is 1:08:17
